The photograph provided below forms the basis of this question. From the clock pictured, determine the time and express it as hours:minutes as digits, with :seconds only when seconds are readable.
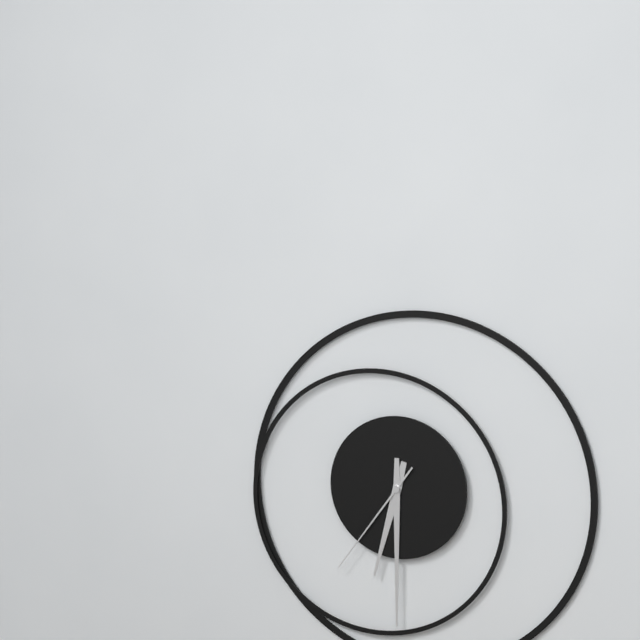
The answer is 6:30:36
